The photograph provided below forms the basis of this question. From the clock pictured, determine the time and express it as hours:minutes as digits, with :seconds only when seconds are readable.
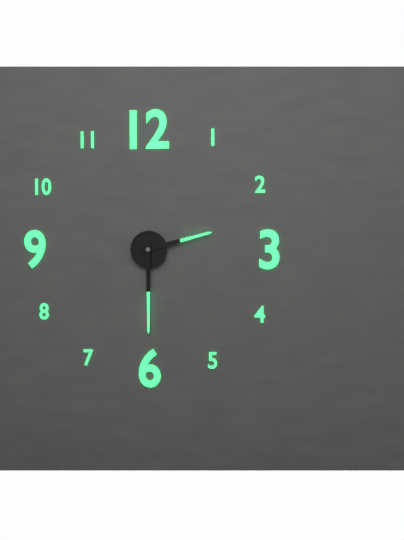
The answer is 2:30
